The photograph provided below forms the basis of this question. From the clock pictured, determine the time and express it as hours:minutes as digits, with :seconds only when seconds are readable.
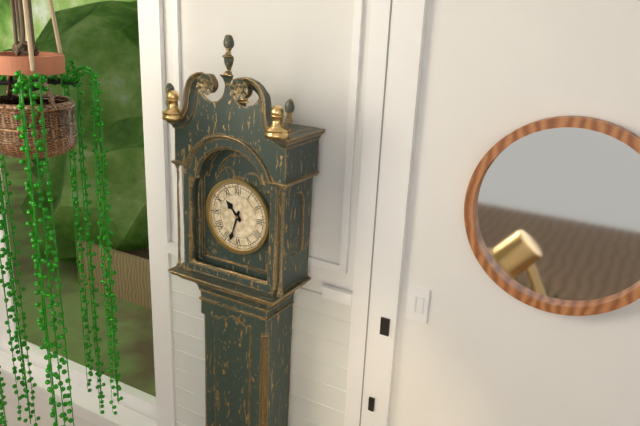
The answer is 10:33
